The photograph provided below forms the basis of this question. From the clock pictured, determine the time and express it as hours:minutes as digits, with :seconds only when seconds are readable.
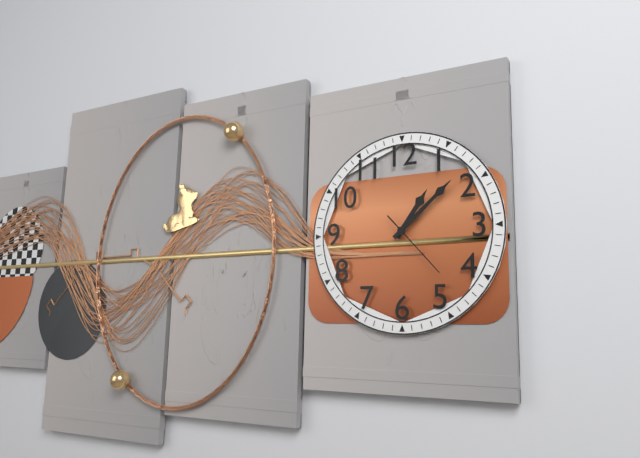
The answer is 1:08:23
